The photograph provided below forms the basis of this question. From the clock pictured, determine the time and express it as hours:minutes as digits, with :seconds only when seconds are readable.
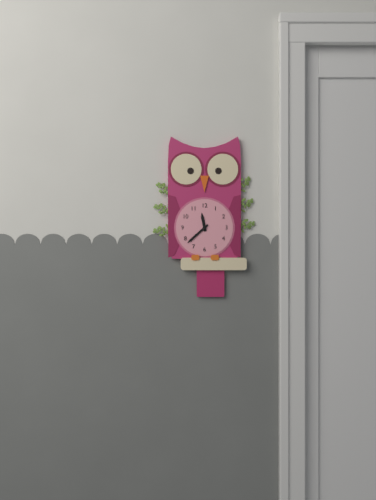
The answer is 11:38
